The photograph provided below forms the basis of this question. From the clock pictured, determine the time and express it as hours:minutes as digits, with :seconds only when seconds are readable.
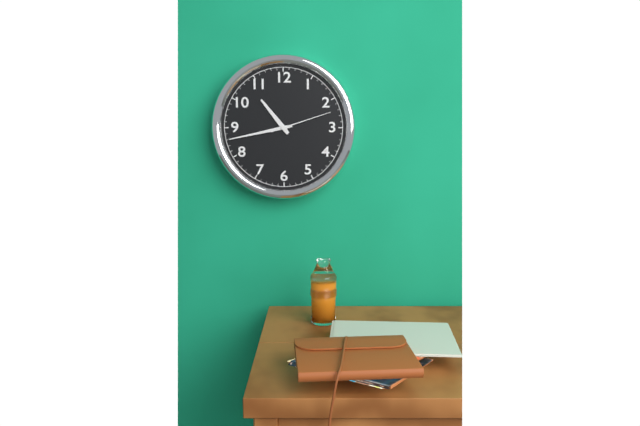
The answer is 10:43:12
